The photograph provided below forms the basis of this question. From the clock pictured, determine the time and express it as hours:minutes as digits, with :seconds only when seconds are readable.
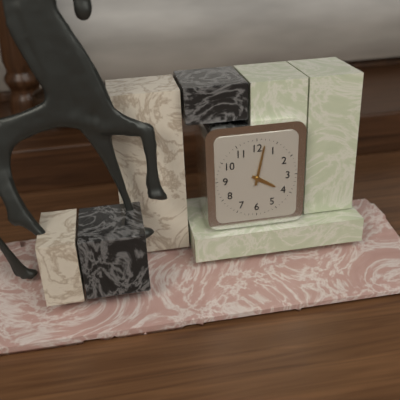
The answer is 4:02
